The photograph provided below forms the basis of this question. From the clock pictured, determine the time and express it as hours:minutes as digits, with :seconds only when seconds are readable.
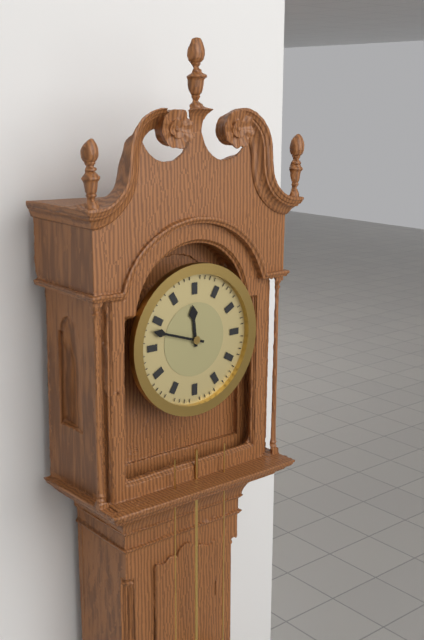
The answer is 11:48
